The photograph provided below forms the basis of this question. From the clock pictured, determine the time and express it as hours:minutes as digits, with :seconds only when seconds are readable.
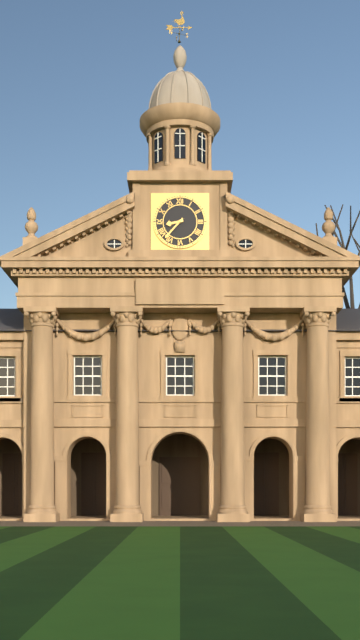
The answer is 8:37
